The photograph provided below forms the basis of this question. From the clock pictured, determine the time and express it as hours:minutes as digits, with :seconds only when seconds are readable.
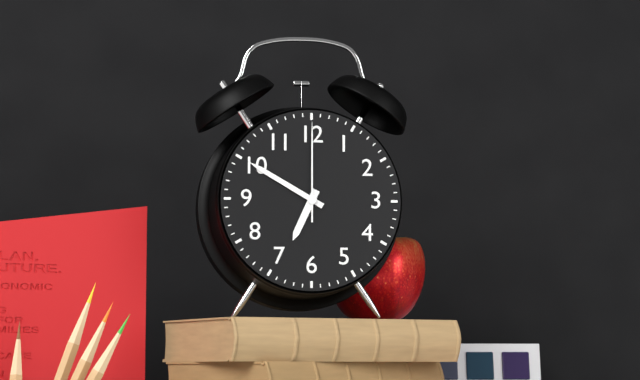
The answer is 6:50:00
